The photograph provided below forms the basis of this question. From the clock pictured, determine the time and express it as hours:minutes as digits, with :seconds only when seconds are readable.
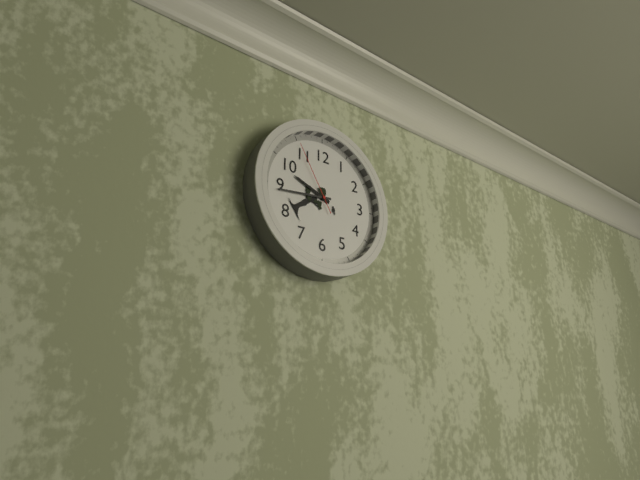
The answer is 9:44:55
